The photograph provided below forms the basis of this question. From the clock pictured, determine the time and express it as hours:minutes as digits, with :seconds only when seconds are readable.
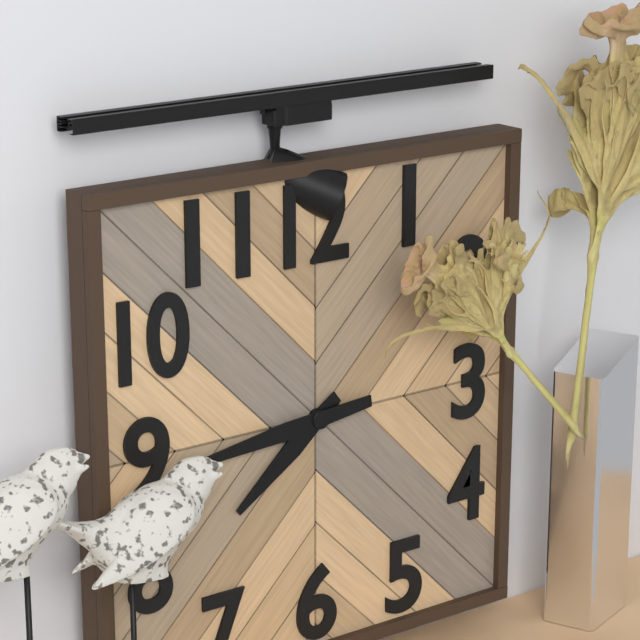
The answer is 7:44
